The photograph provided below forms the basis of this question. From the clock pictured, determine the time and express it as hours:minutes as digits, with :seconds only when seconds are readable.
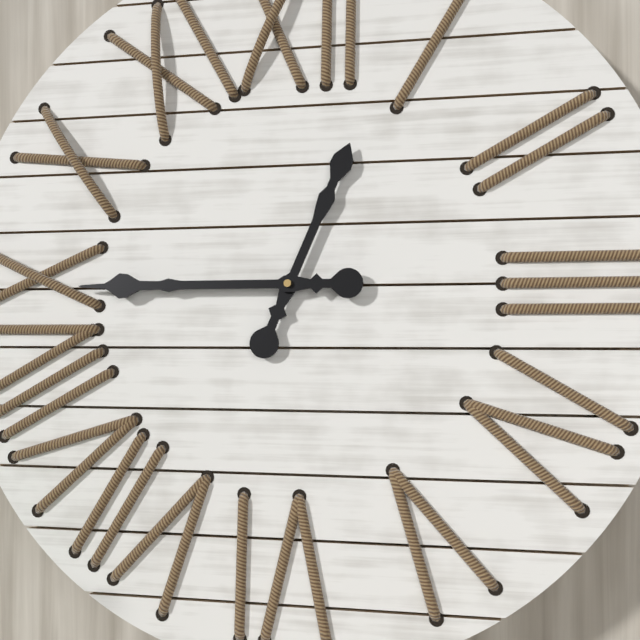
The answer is 12:45
